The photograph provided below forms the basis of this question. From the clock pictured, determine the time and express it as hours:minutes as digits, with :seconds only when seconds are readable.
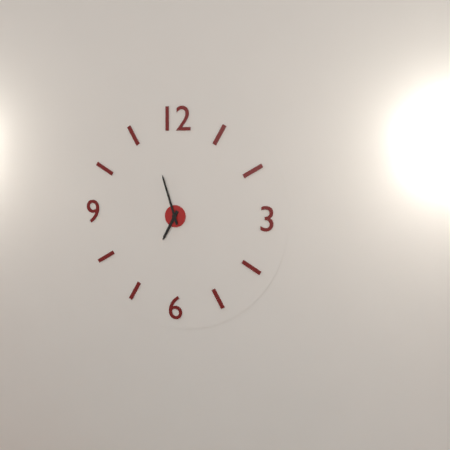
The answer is 6:57
